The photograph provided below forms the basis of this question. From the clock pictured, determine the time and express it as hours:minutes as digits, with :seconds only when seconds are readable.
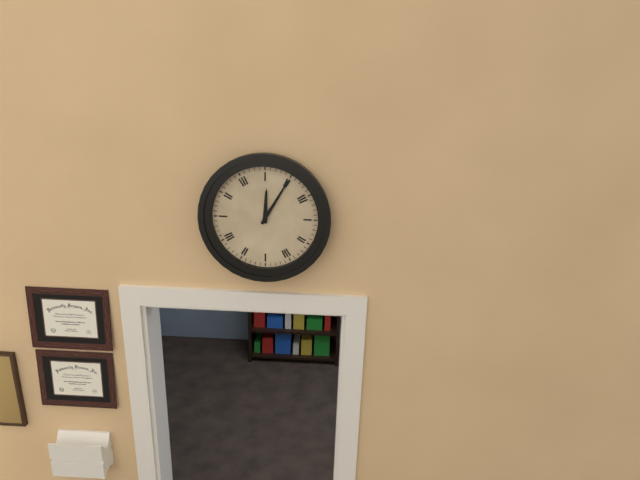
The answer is 12:05
